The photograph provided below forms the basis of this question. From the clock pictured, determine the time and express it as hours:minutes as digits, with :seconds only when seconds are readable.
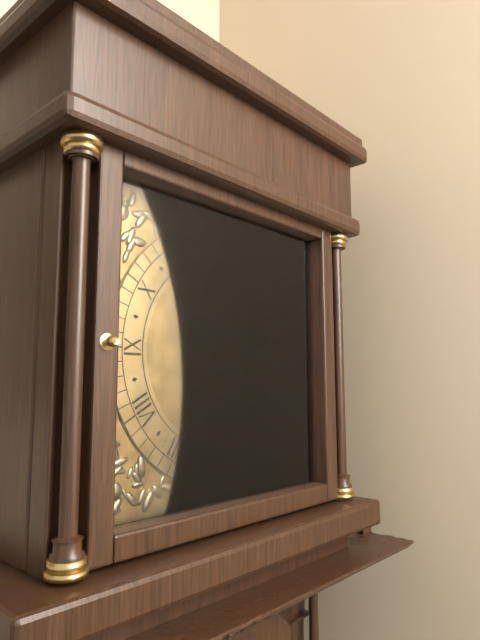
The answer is 6:20
